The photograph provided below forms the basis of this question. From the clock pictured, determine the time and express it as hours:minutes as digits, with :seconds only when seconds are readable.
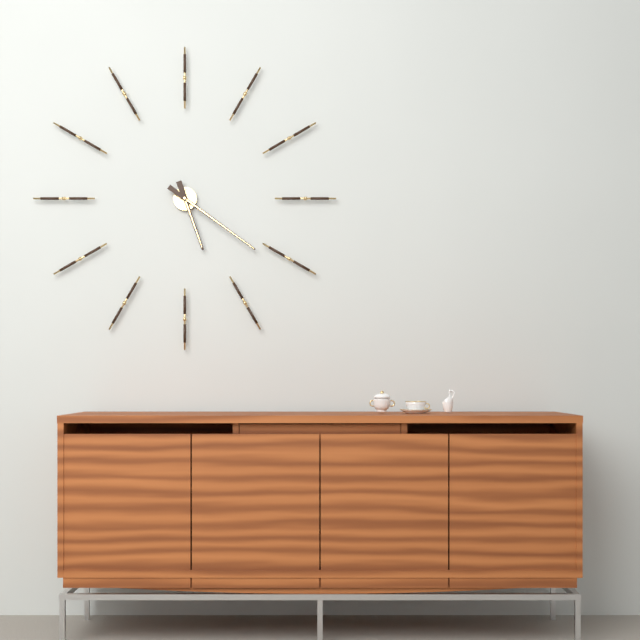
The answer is 5:21
